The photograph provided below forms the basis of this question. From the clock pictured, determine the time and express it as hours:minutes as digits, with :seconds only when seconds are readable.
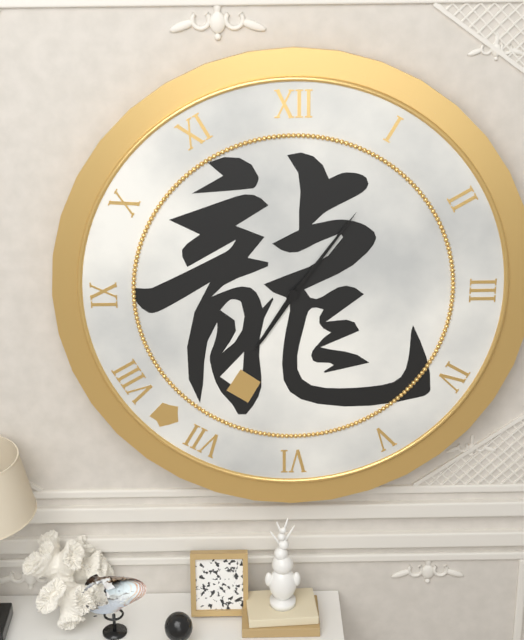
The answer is 7:06
